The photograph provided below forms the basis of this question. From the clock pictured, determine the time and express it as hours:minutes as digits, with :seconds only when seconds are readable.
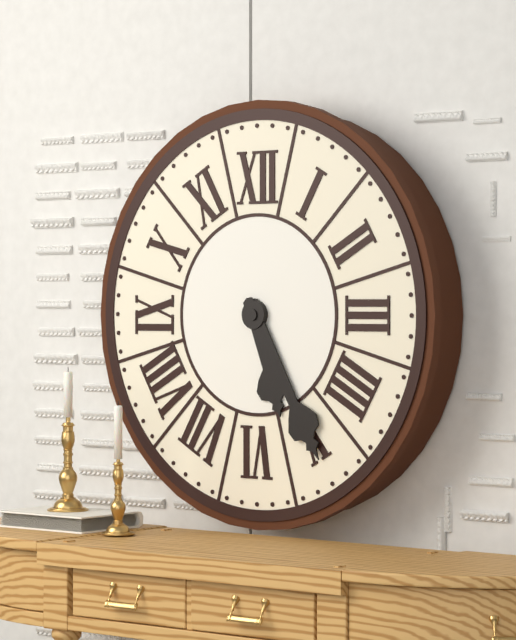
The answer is 5:25
